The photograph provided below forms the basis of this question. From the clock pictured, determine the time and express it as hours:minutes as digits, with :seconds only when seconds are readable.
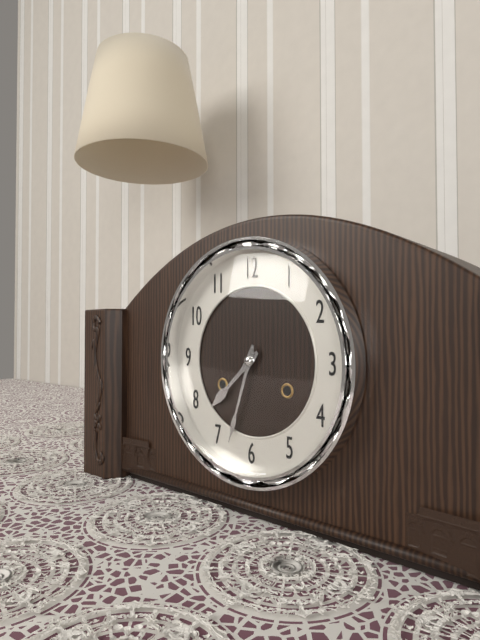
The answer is 7:33
